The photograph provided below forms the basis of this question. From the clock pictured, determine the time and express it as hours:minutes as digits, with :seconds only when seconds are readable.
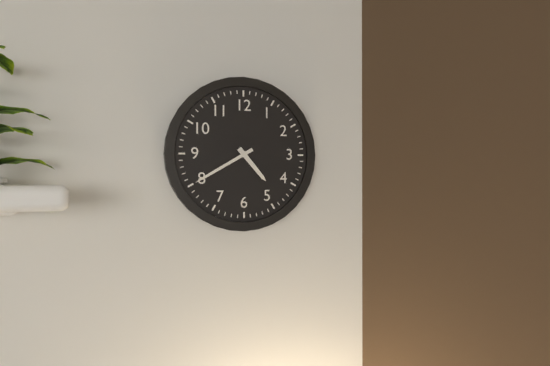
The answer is 4:40
